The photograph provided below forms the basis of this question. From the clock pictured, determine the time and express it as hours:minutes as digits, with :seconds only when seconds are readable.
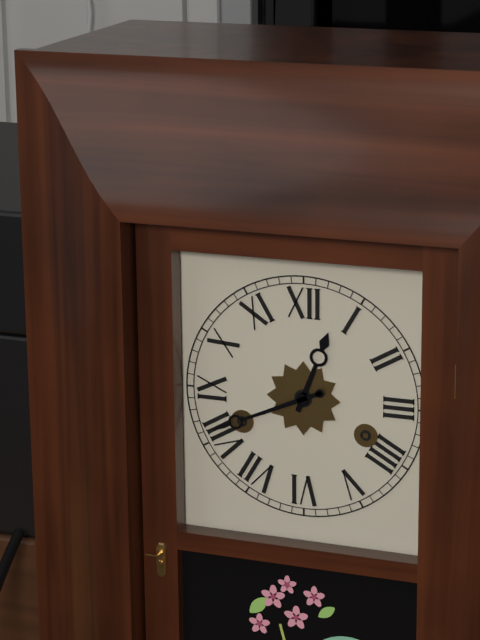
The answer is 12:41
